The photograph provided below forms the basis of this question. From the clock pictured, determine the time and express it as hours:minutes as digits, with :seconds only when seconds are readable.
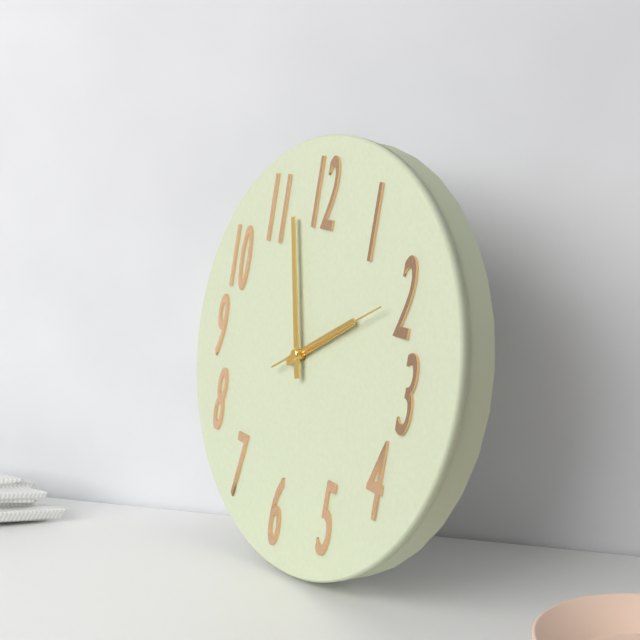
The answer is 1:57:10
